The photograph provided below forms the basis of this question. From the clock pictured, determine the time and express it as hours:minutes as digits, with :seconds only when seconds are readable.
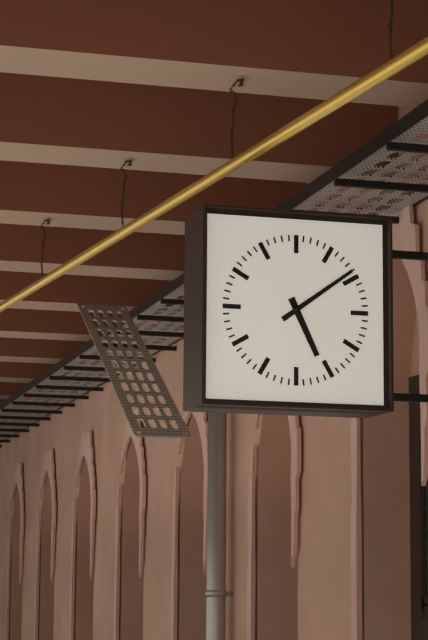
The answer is 5:09
